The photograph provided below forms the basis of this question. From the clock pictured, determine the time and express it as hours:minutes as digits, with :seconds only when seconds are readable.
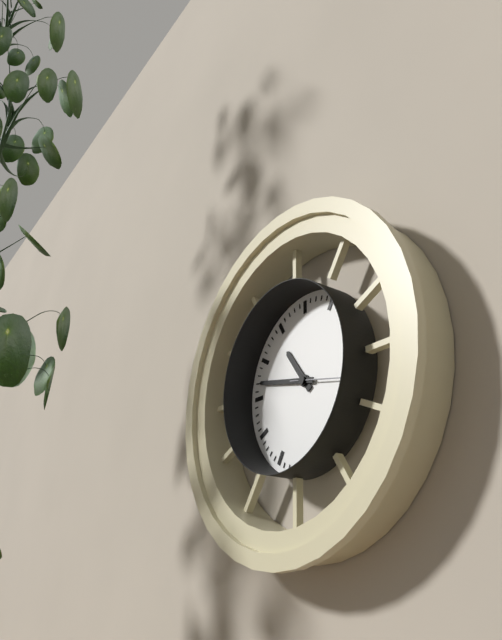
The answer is 10:47
